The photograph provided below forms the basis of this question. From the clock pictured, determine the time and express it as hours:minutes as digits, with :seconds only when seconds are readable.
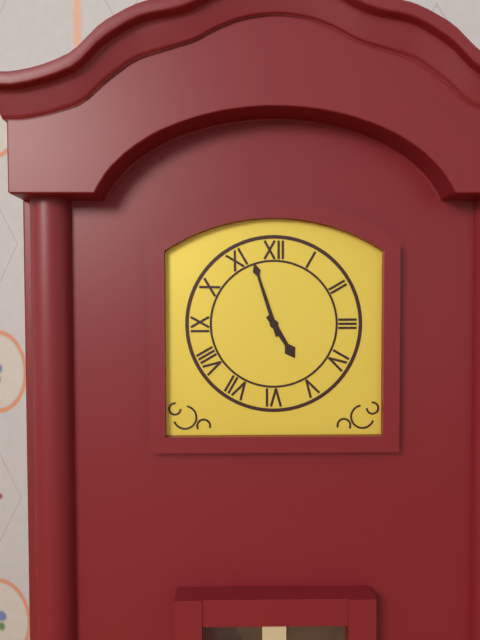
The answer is 4:57
